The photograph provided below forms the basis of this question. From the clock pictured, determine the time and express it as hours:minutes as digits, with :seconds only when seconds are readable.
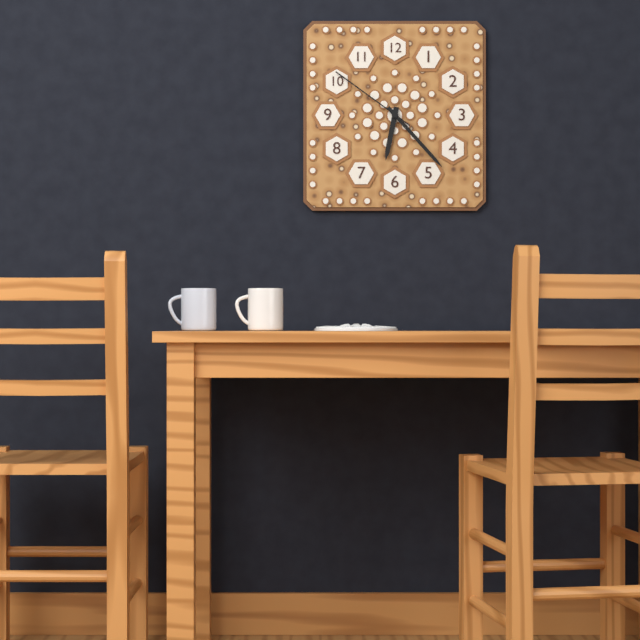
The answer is 6:23:51
